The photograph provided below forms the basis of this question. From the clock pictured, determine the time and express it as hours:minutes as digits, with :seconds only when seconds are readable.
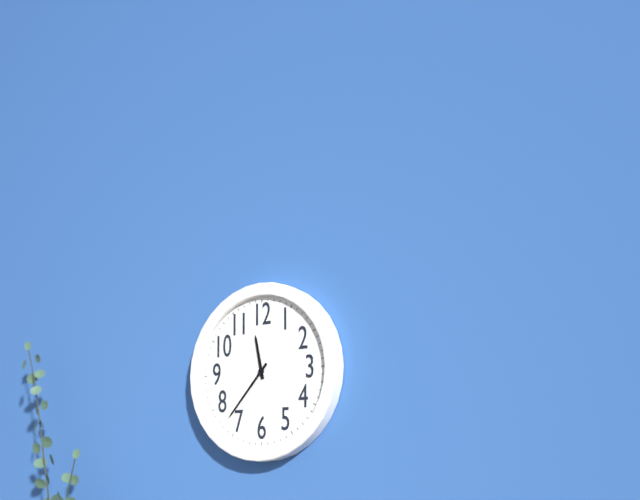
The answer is 11:37
